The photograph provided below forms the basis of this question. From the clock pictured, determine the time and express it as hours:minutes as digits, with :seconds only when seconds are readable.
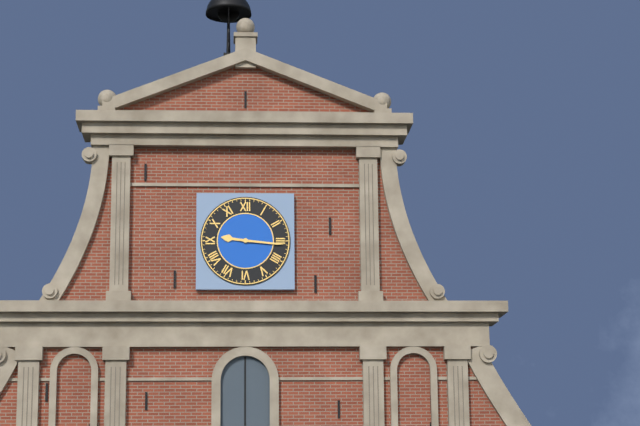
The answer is 9:16
